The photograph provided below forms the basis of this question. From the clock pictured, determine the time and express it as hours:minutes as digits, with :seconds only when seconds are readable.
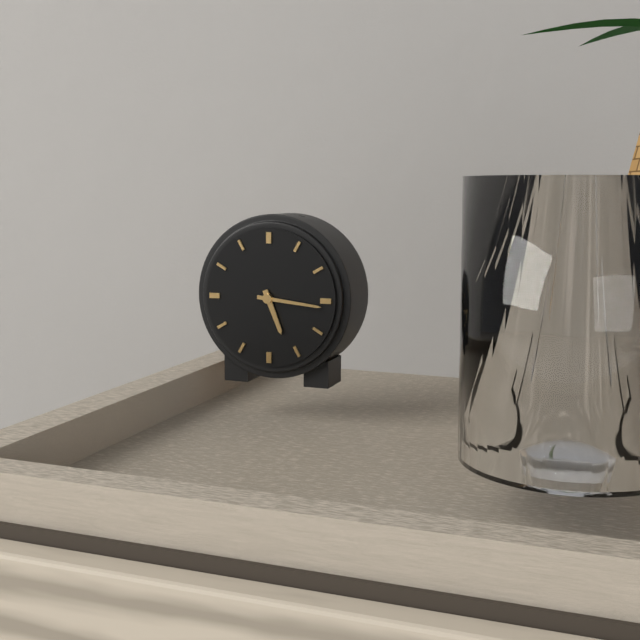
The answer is 5:16
